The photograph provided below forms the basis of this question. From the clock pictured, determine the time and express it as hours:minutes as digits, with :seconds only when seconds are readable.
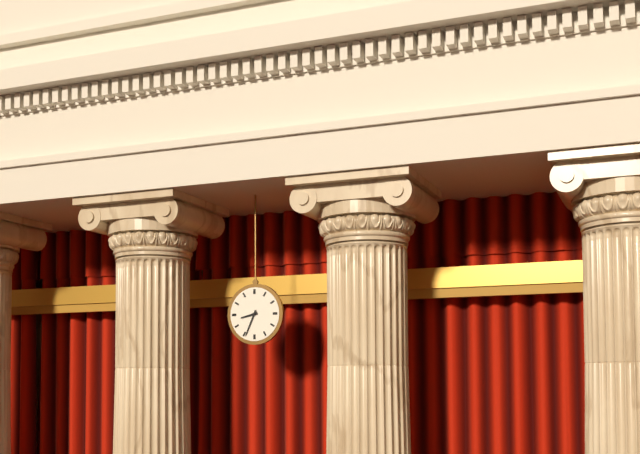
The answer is 8:34
